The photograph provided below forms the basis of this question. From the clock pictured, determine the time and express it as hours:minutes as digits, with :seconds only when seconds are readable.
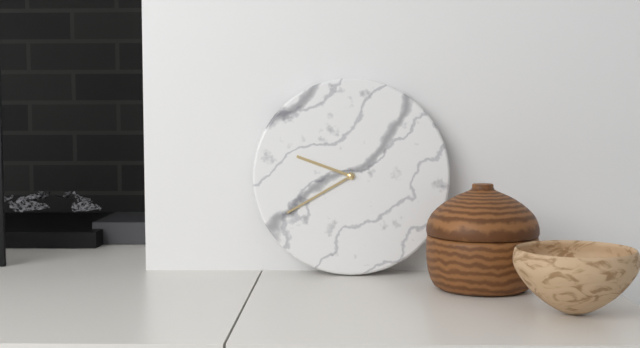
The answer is 9:40
